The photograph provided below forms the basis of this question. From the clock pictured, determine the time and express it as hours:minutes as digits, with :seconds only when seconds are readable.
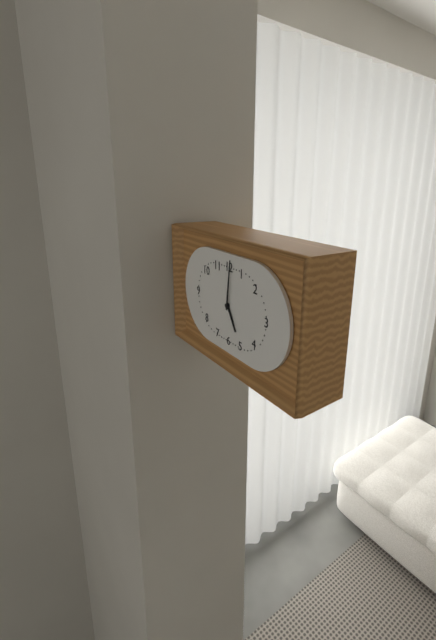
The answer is 5:01
